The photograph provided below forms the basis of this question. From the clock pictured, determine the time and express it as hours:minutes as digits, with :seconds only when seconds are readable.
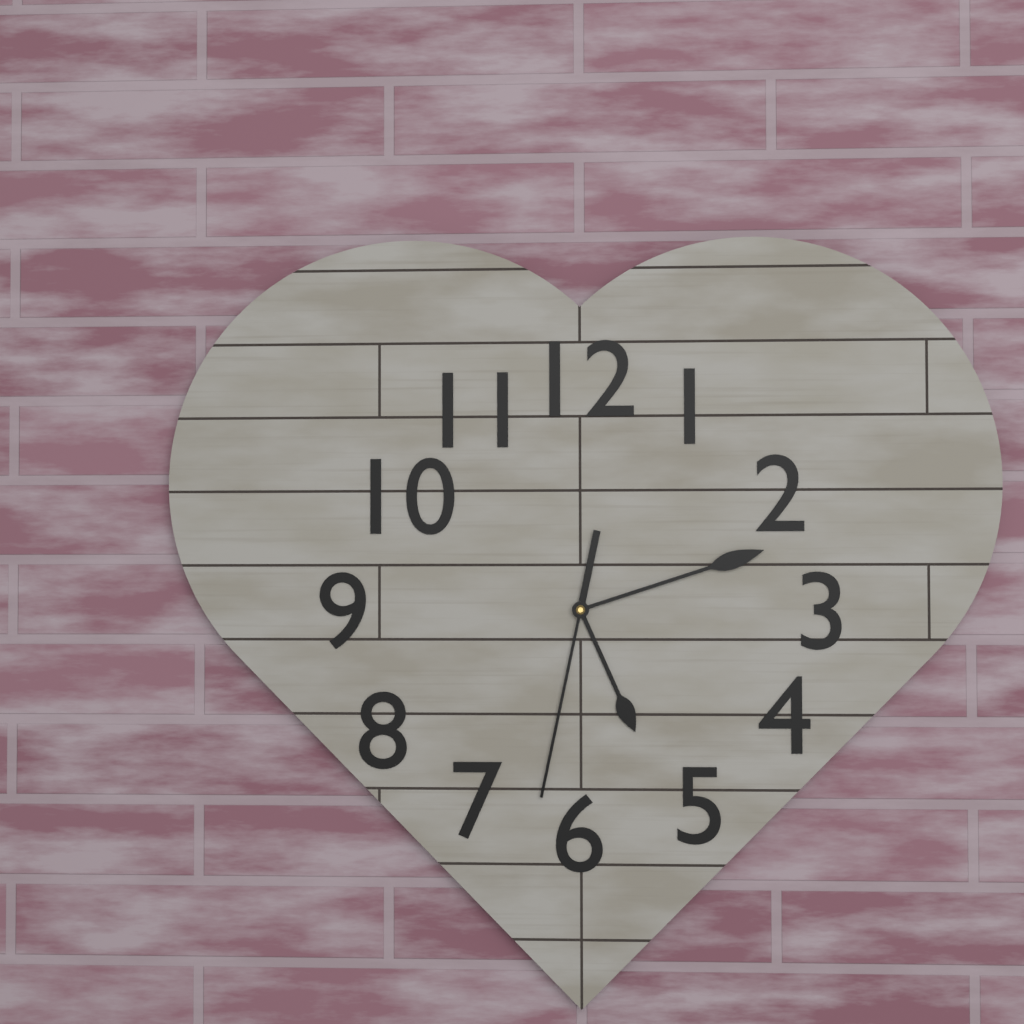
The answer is 5:12:32
